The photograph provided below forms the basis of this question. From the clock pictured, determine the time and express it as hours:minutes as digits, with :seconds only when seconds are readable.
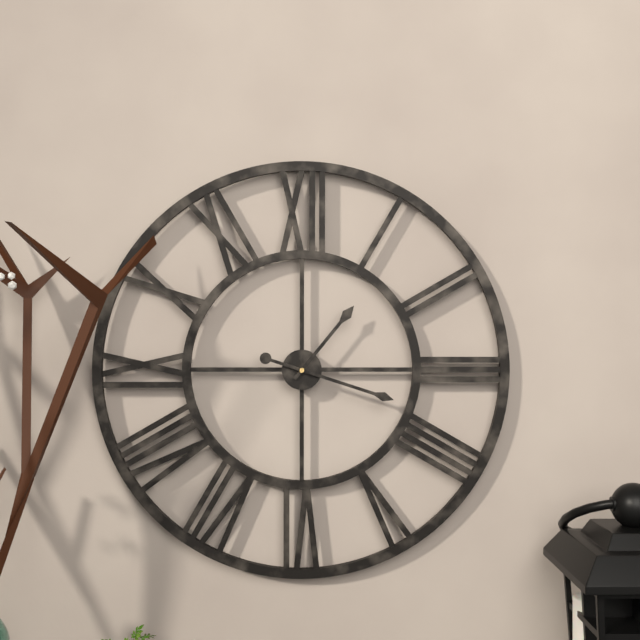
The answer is 1:18
